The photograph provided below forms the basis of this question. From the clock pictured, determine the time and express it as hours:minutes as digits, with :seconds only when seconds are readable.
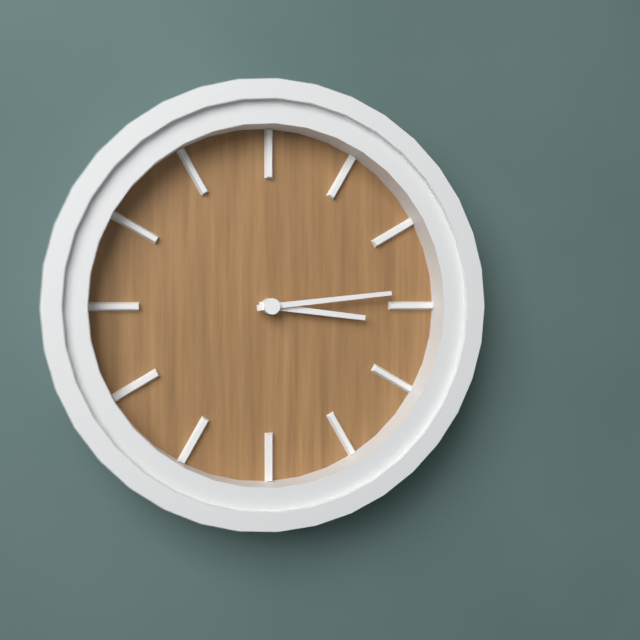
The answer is 3:14
